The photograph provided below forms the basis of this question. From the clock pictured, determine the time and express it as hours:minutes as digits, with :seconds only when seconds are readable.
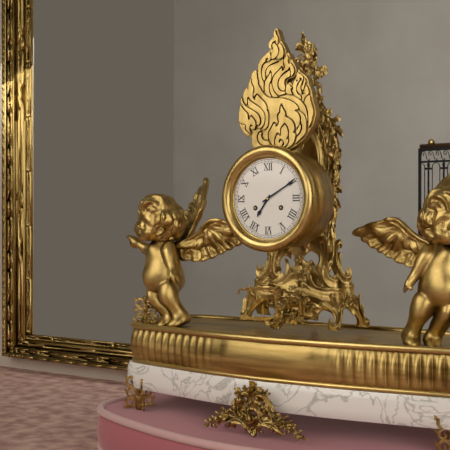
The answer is 7:10
